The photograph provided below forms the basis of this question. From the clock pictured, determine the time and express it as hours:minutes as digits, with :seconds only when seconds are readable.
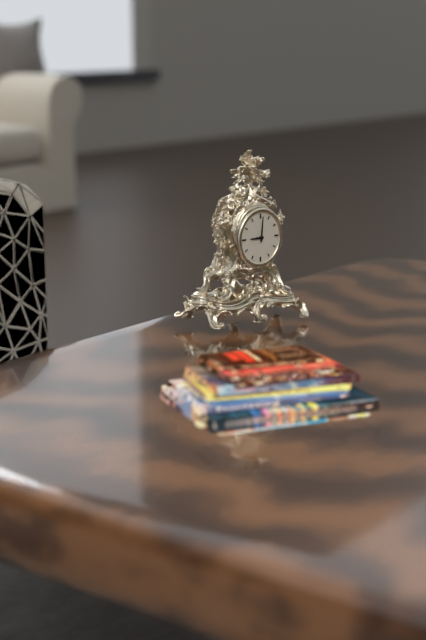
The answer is 9:01
